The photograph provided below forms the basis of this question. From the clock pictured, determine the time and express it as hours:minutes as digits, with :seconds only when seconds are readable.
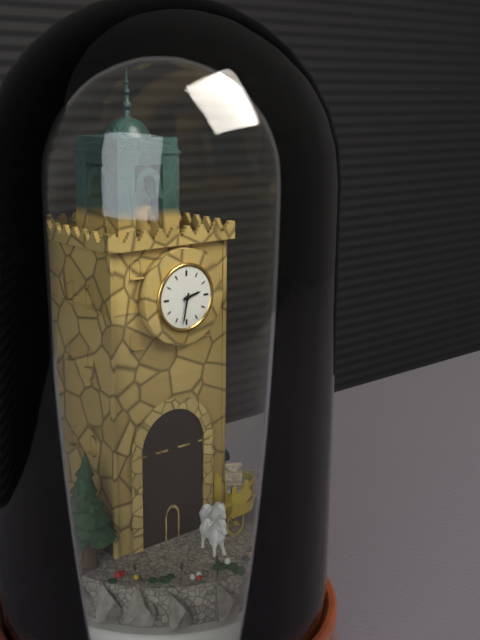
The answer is 2:32
